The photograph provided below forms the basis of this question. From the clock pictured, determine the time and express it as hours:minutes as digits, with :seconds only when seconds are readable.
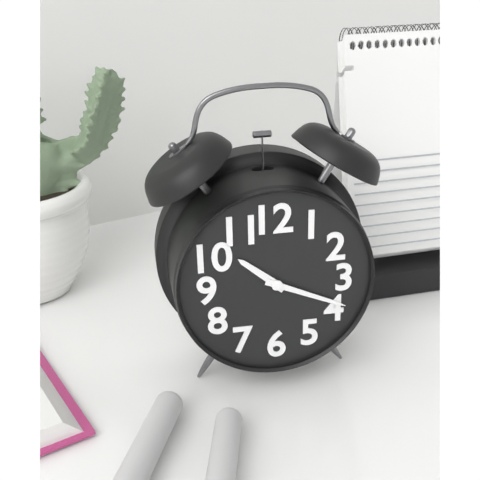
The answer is 10:19
